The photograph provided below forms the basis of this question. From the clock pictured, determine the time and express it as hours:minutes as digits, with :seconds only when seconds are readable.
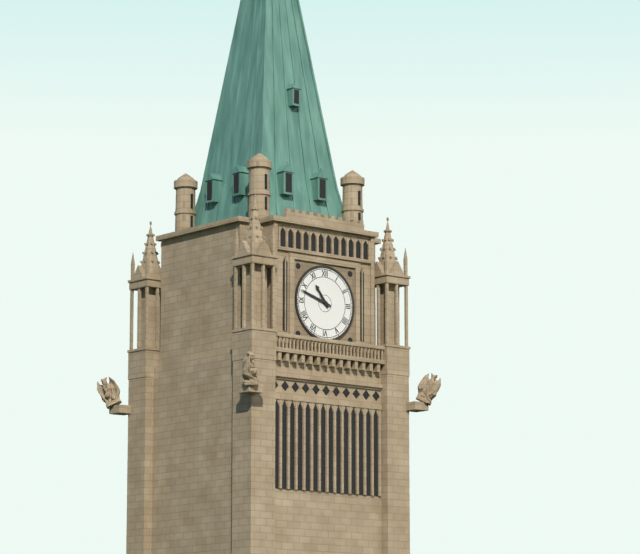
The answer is 10:48
